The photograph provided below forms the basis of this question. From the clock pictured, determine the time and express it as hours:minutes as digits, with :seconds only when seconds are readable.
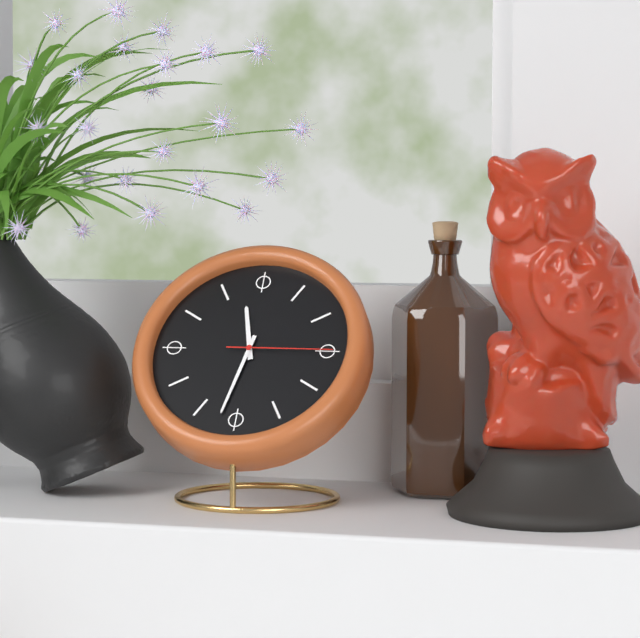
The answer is 11:32:15
